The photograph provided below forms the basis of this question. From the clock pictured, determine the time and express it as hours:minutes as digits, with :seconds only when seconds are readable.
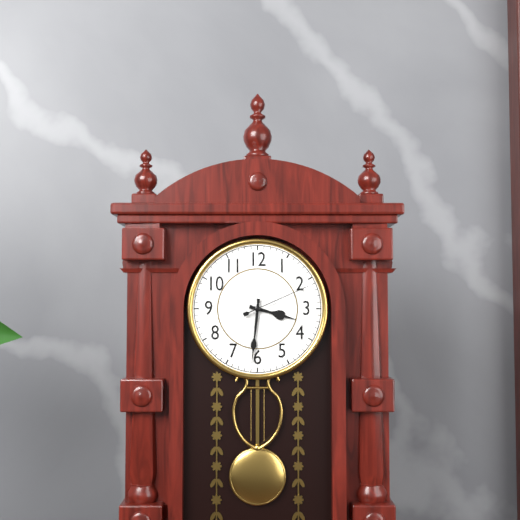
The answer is 3:31:11
